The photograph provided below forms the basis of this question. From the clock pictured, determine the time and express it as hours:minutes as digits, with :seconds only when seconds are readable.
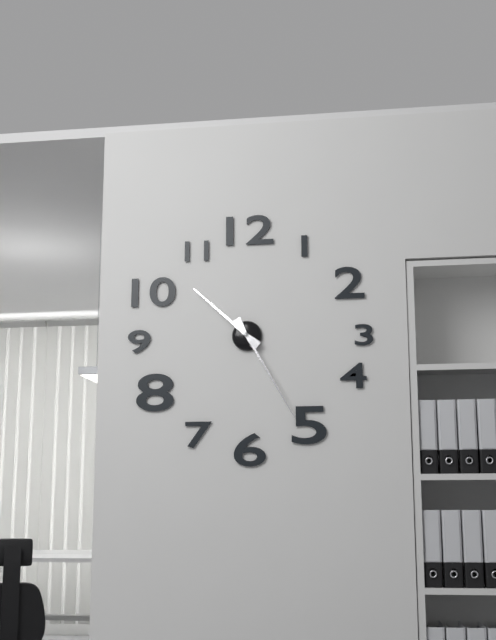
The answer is 10:25
